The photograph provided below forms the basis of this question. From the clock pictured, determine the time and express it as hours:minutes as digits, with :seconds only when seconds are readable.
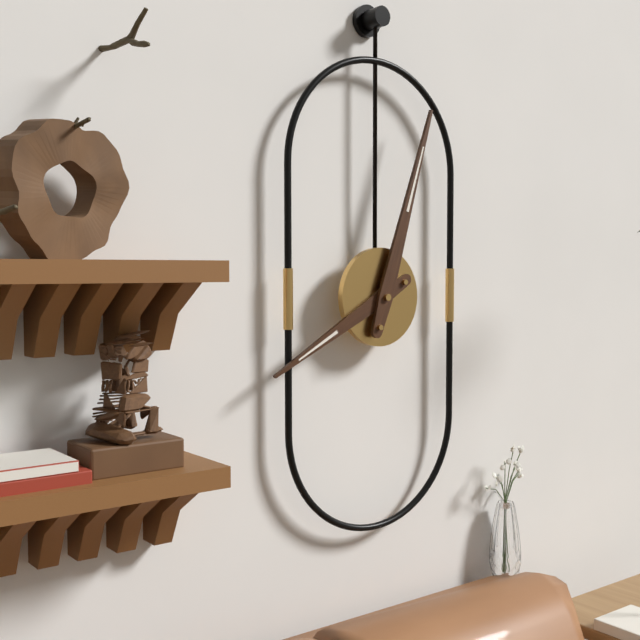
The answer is 8:03
